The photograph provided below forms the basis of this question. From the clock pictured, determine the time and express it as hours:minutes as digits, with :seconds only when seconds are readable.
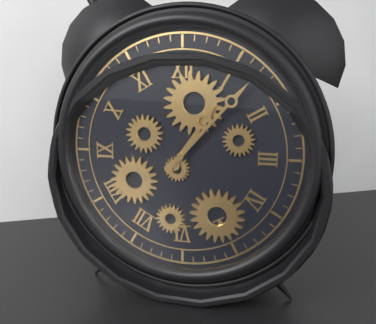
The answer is 1:07
